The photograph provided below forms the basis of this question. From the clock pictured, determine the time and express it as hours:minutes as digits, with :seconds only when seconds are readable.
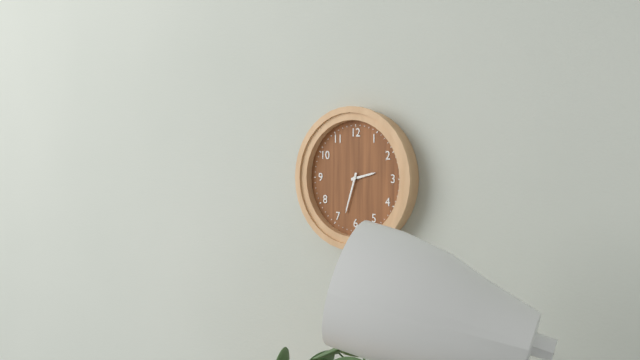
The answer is 2:33
